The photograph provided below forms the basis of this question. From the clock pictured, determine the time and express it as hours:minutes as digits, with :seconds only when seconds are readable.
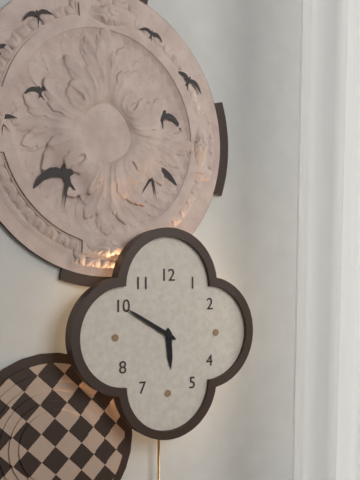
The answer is 5:50
